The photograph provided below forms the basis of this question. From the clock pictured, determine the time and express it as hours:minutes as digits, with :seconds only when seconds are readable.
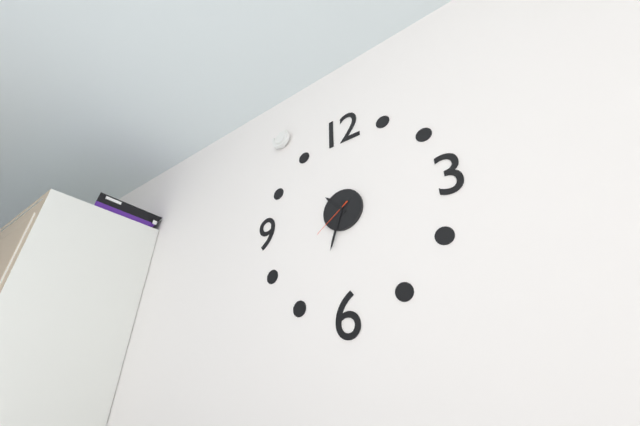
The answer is 10:33
